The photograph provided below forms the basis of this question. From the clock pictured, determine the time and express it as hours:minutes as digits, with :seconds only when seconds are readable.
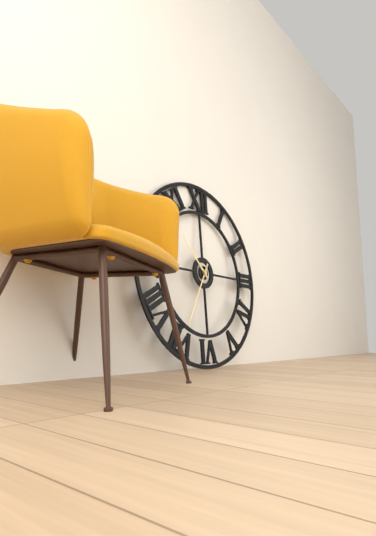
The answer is 10:35
